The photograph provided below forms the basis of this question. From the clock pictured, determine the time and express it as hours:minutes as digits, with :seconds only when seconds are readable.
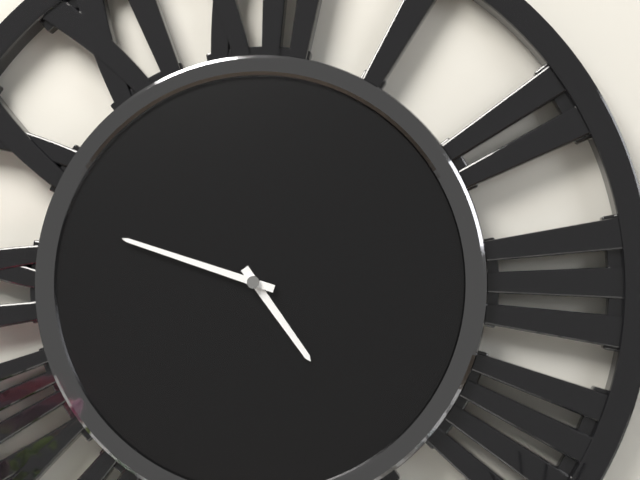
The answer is 4:48
